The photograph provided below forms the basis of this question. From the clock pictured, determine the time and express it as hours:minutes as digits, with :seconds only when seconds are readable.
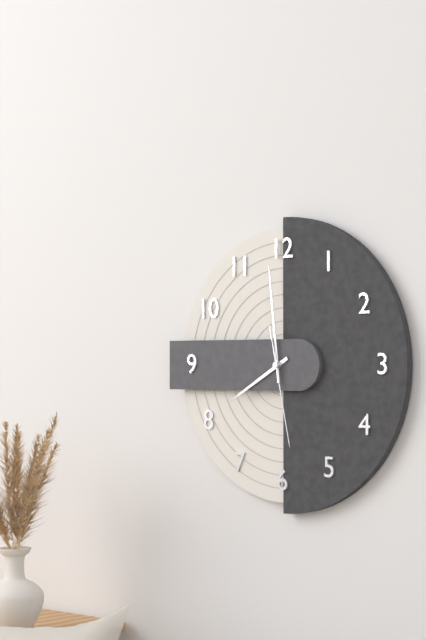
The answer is 7:59:28
